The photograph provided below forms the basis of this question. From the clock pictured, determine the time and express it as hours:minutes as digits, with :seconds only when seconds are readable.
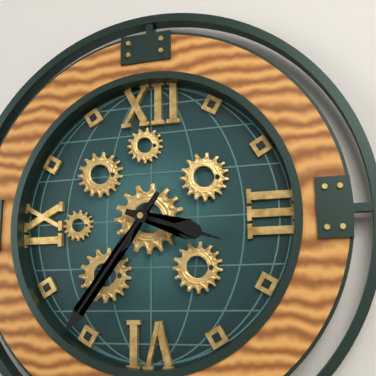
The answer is 3:36
